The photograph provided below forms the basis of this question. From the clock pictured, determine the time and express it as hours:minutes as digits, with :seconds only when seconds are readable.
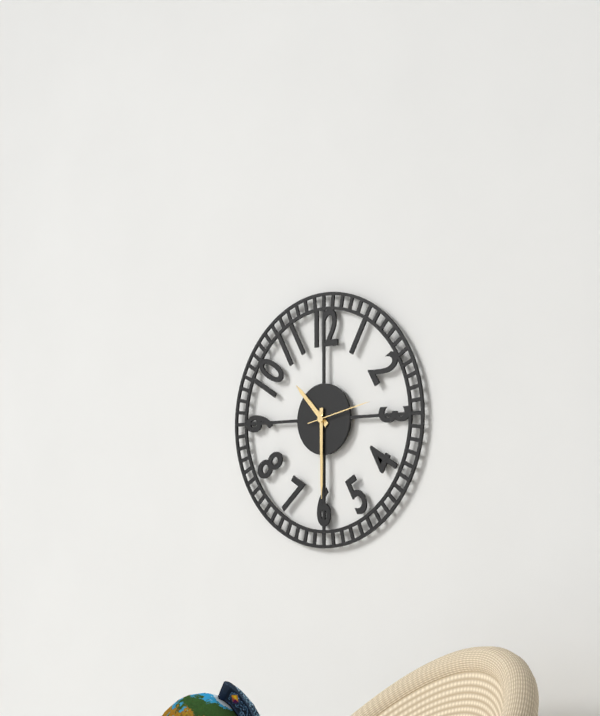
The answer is 10:30:13
